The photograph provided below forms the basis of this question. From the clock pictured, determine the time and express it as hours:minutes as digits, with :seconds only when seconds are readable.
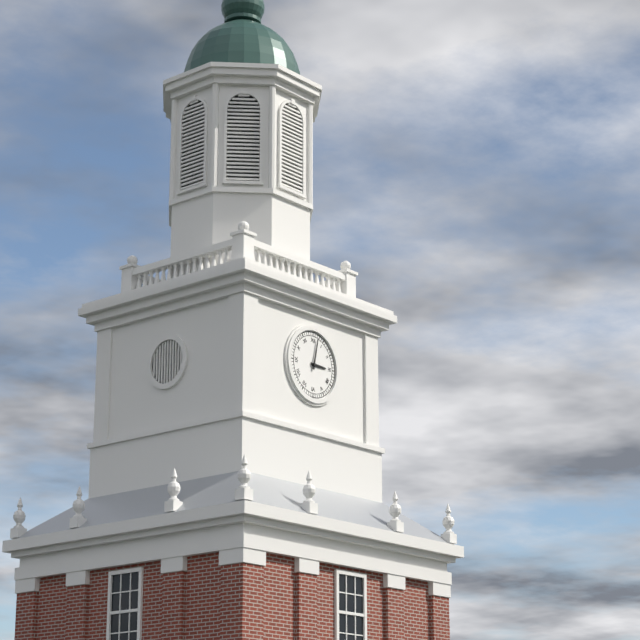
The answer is 3:02
